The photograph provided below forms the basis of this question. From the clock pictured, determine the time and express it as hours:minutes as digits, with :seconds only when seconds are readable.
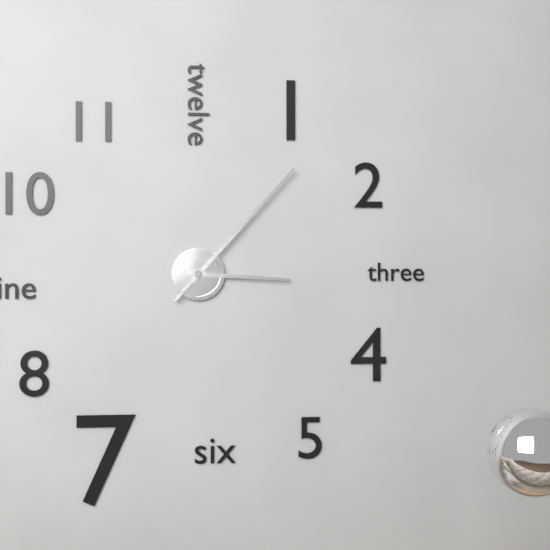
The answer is 3:07
